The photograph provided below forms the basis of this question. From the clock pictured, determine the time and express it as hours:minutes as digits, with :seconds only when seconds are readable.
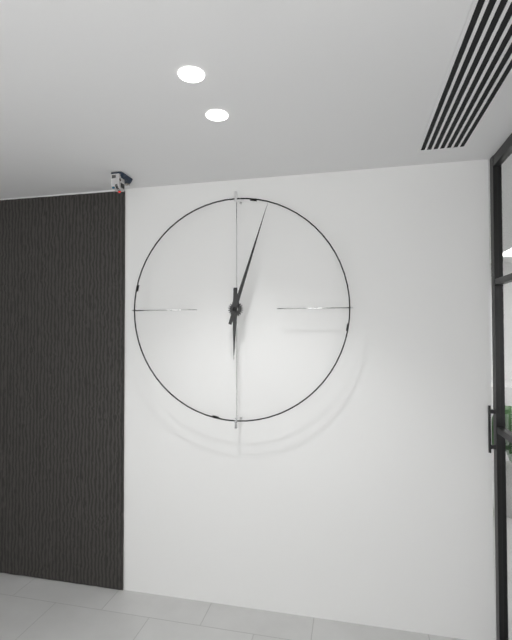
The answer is 6:03
